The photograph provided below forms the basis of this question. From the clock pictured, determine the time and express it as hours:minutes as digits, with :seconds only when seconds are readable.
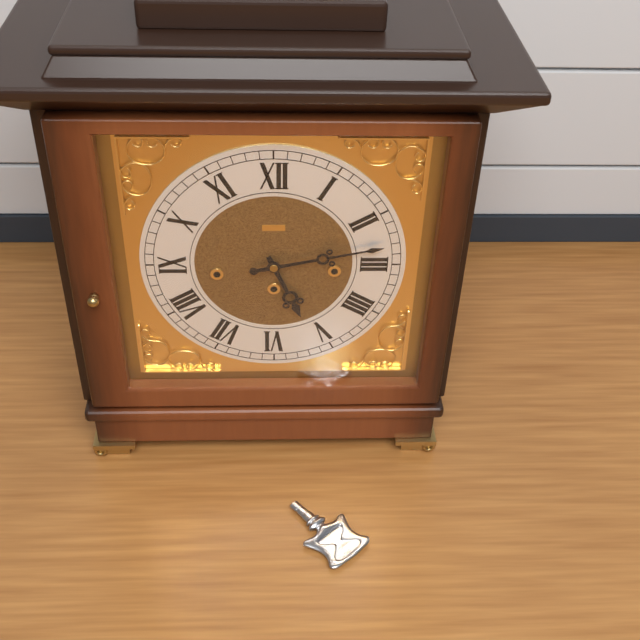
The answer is 5:13
